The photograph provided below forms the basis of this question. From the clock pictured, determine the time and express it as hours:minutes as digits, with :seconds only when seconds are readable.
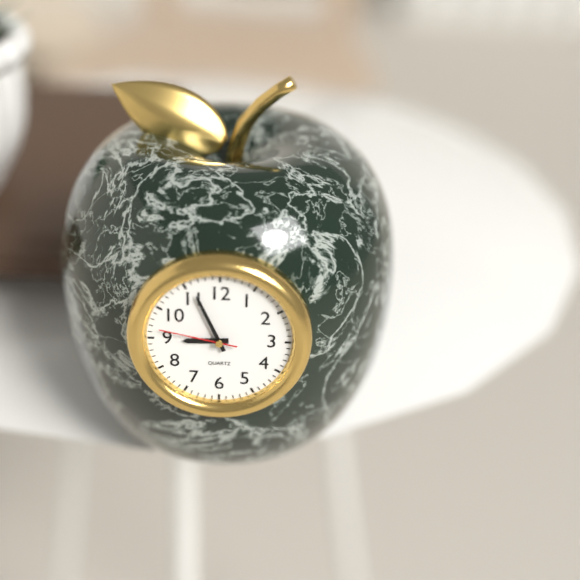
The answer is 8:56:47
